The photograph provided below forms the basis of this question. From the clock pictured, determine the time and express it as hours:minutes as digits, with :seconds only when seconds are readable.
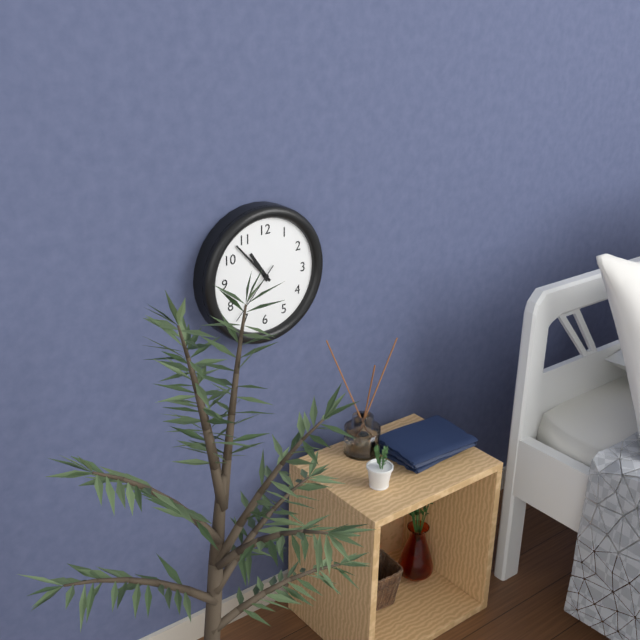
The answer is 10:53:37
